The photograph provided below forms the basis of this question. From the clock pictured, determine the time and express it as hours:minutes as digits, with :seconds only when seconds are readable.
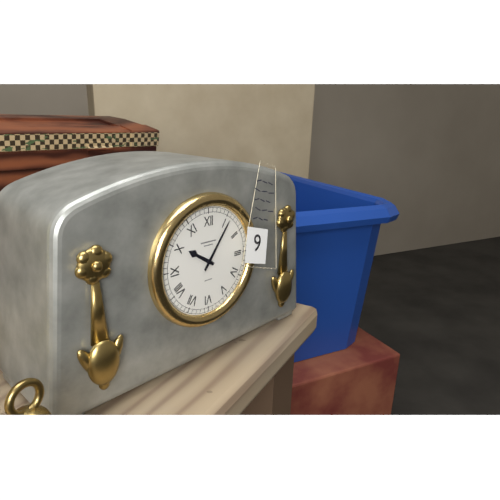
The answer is 10:06
